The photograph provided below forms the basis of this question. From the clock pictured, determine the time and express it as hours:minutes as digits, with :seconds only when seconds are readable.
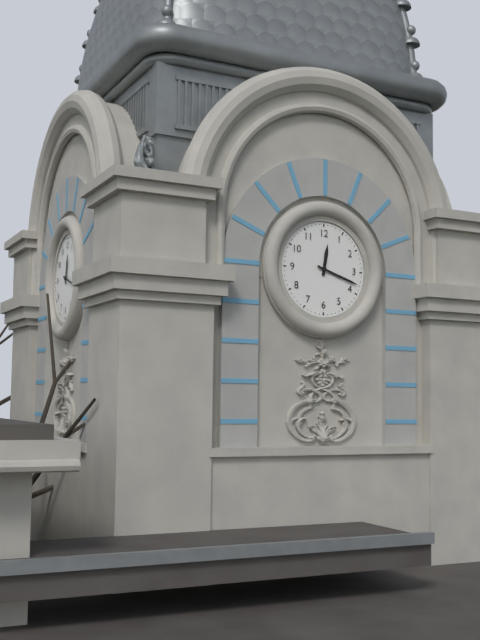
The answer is 12:18
